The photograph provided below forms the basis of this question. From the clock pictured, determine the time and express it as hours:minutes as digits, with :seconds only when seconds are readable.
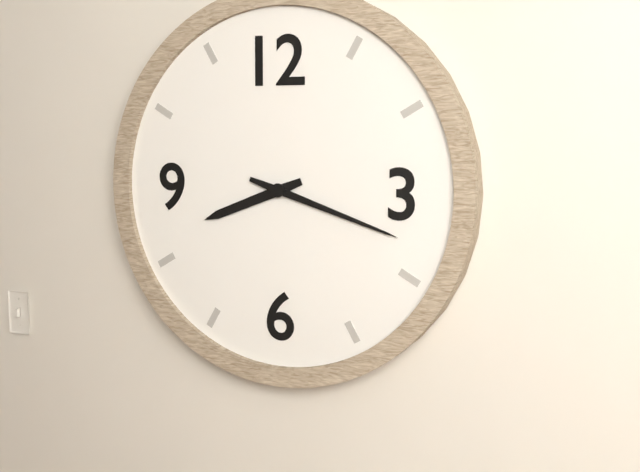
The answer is 8:18
